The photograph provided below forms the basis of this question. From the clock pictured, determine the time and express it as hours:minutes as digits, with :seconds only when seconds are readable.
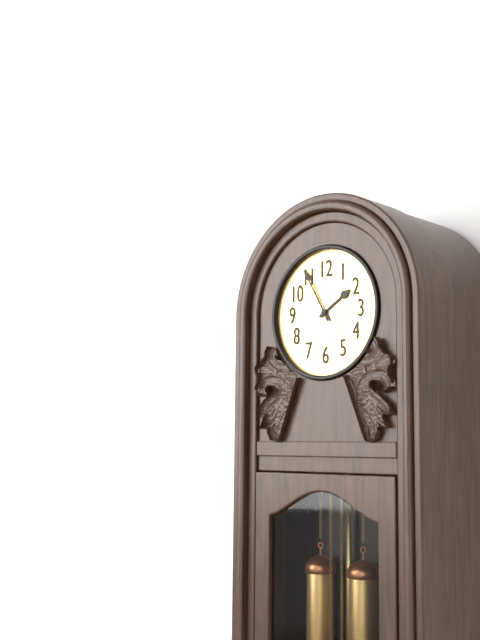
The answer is 1:55
